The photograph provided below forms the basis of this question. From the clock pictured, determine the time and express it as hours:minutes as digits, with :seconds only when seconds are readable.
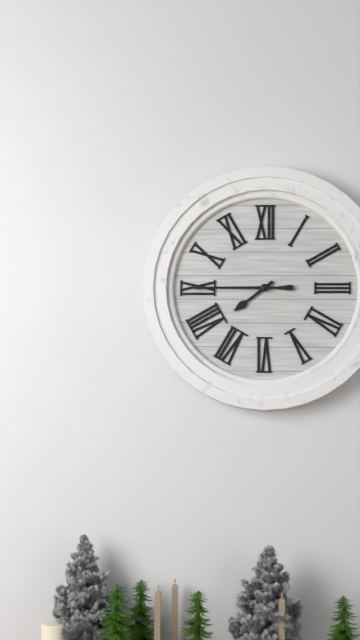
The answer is 7:45
